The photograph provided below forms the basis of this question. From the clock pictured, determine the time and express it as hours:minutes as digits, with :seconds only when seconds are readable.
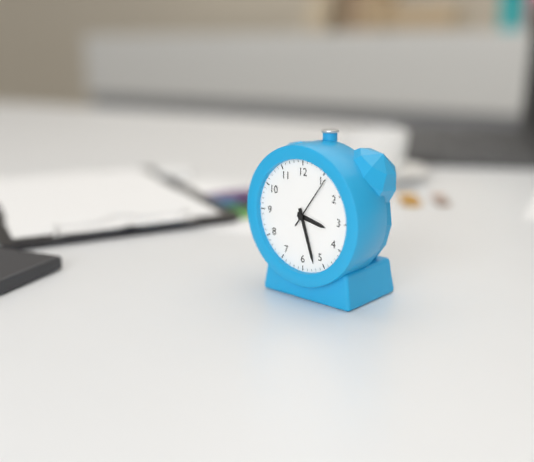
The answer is 3:27:06
